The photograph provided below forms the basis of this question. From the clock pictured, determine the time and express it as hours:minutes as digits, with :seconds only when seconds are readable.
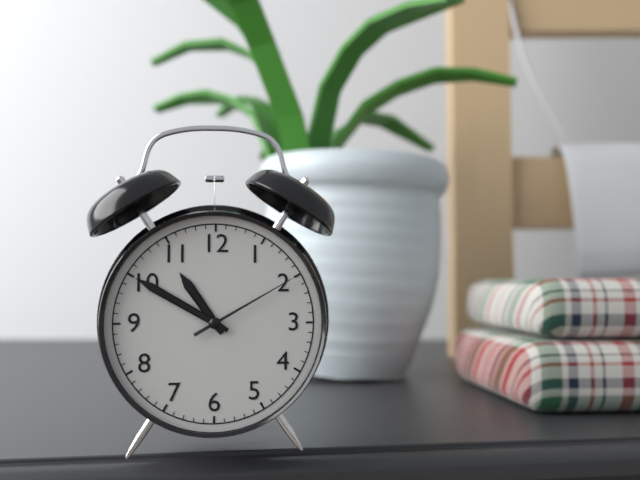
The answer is 10:50:10
